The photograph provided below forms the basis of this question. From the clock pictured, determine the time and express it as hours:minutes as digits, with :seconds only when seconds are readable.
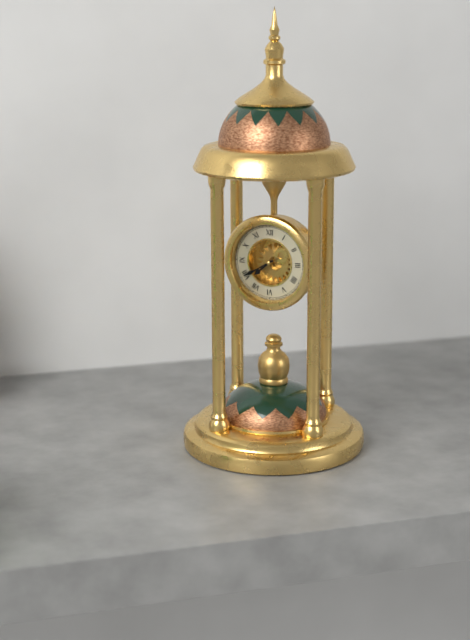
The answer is 7:40
